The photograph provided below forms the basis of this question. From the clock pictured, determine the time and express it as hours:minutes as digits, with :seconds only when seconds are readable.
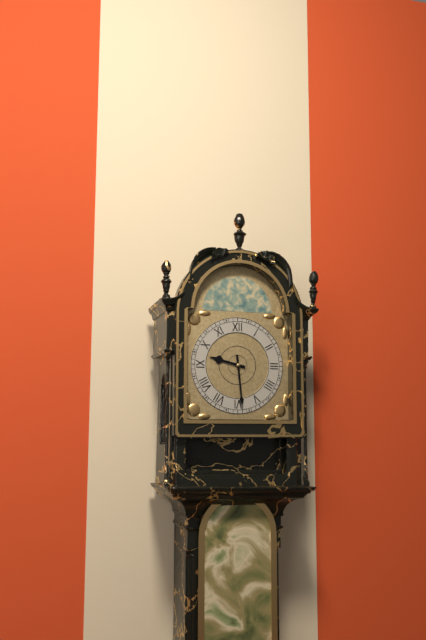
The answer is 9:29
